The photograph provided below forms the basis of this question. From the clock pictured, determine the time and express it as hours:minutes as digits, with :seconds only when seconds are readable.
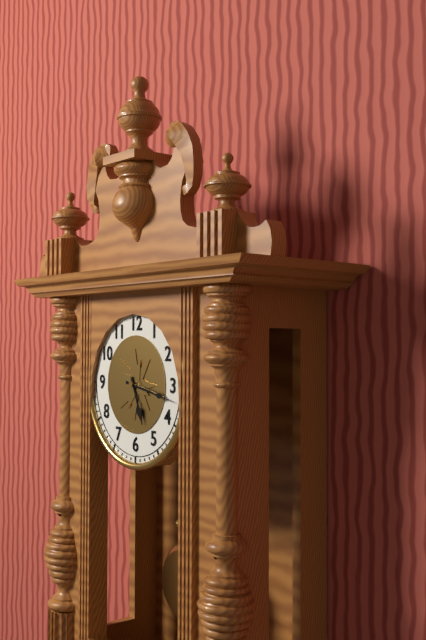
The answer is 5:17
